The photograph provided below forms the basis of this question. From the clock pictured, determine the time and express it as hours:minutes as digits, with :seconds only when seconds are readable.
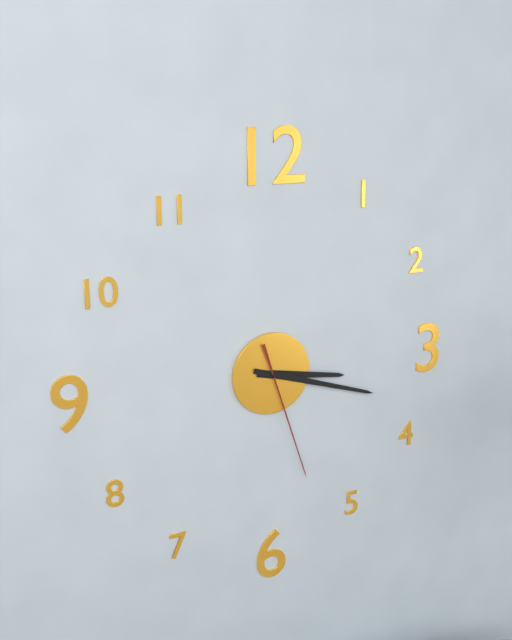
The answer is 3:18:27
